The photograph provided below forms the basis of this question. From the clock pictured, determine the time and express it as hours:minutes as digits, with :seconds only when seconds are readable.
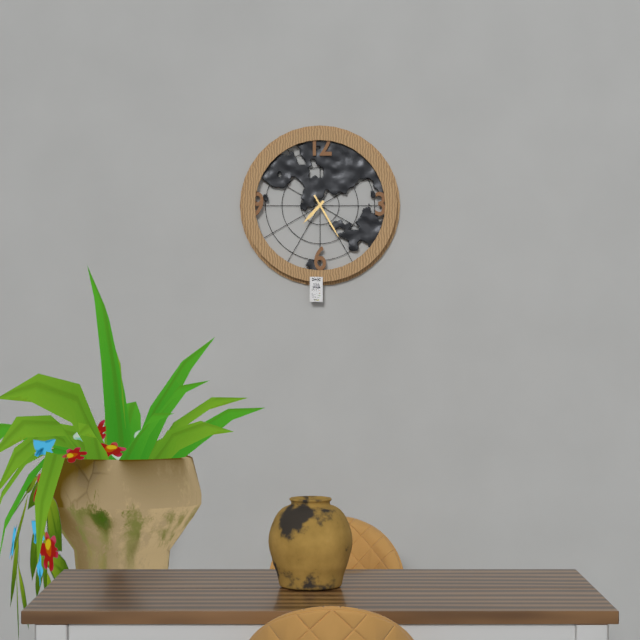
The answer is 7:25
